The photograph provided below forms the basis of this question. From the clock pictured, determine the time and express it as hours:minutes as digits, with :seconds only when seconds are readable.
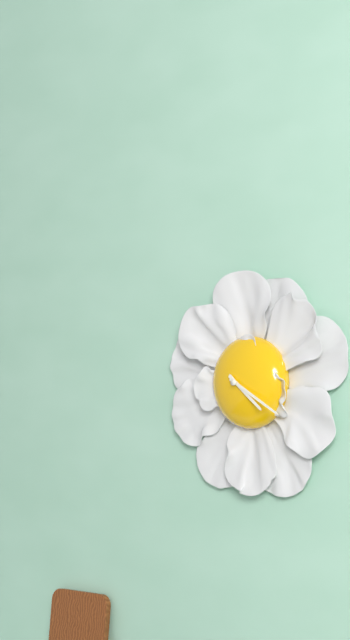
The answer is 4:20
